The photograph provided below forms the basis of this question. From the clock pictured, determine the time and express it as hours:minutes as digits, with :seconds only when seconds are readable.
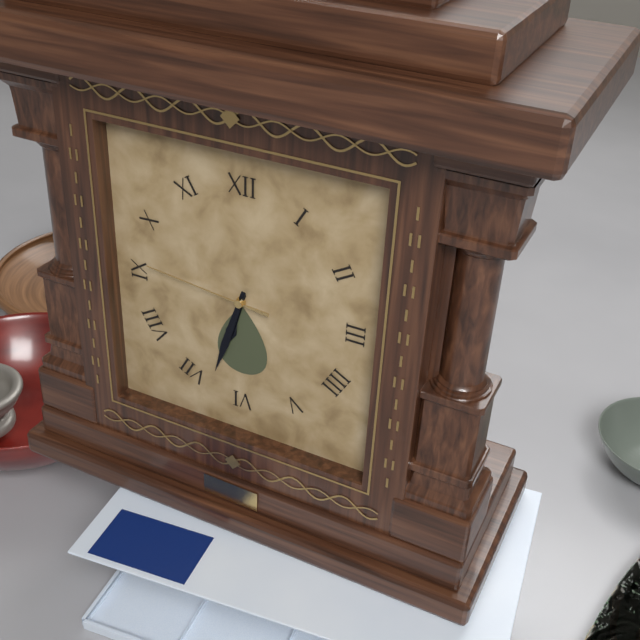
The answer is 6:33:46
